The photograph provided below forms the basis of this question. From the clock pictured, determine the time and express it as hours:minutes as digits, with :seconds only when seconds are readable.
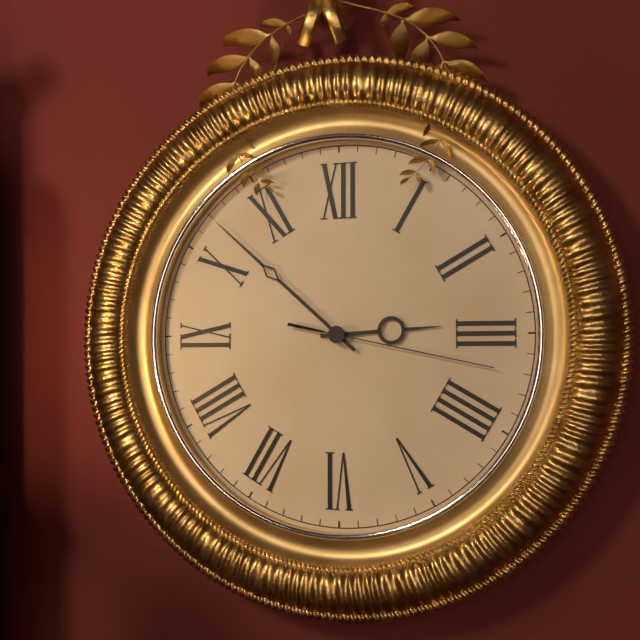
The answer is 2:52:17
